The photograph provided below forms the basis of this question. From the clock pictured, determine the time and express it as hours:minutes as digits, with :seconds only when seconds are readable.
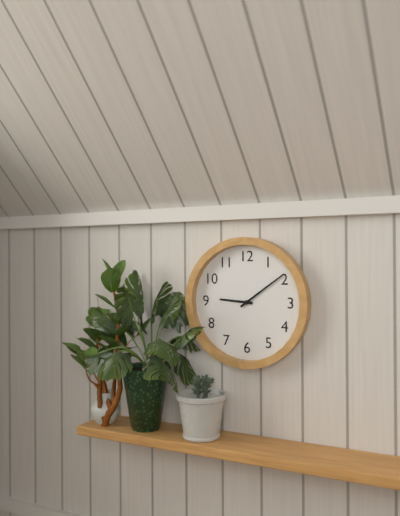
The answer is 9:09
